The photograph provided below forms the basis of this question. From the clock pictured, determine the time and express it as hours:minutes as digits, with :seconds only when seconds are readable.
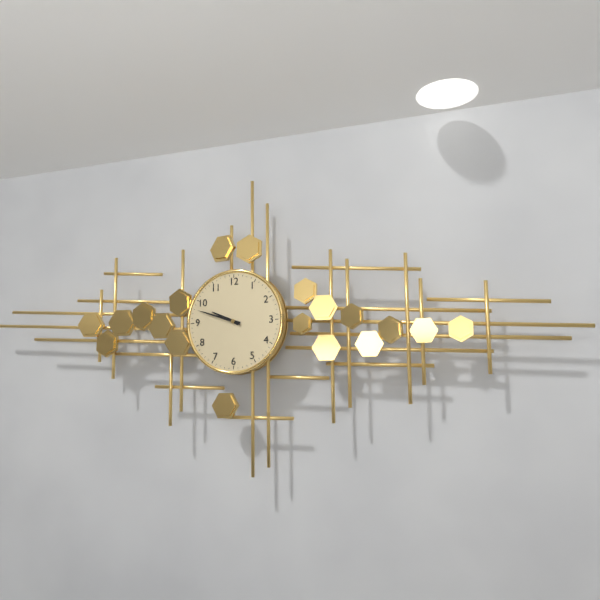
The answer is 9:48
